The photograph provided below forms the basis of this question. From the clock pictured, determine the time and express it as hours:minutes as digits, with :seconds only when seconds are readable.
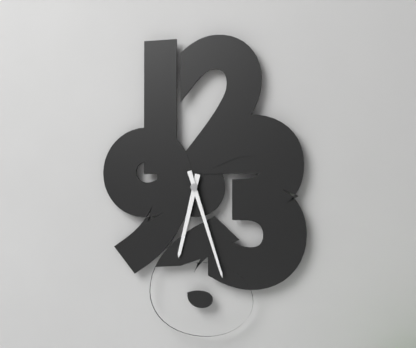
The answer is 6:27
